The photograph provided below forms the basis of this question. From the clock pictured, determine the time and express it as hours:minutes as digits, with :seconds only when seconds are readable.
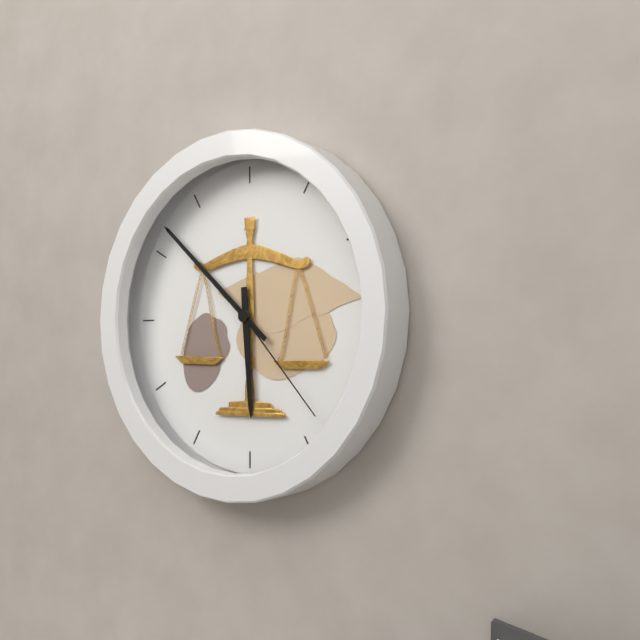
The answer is 5:52:23
